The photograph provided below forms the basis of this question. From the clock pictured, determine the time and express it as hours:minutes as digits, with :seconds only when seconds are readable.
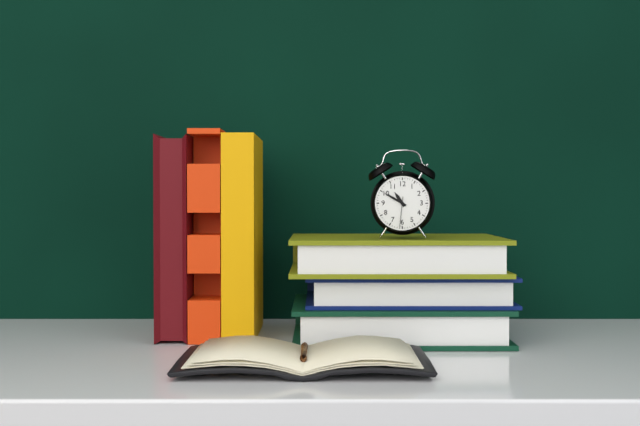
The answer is 10:50
